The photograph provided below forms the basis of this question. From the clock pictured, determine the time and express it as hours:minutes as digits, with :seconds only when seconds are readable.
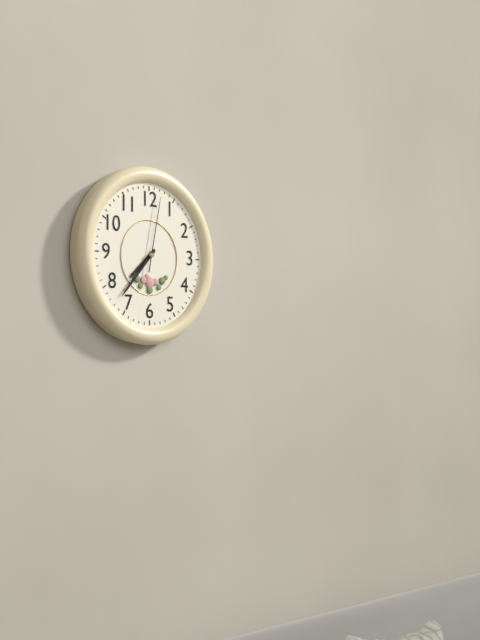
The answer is 7:37:02
